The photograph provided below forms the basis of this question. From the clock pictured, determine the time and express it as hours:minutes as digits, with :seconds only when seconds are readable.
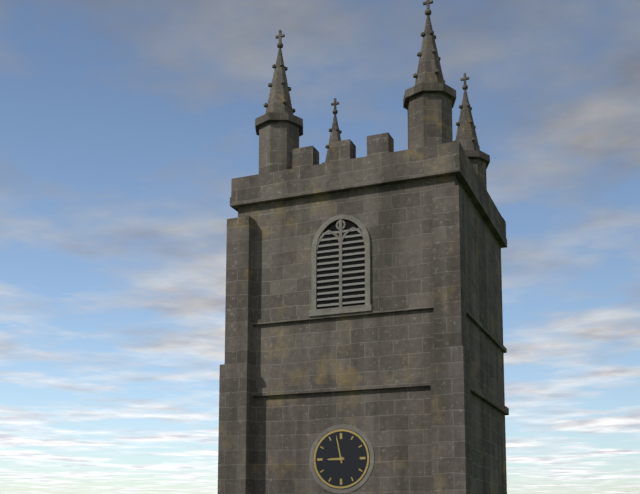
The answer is 8:58
